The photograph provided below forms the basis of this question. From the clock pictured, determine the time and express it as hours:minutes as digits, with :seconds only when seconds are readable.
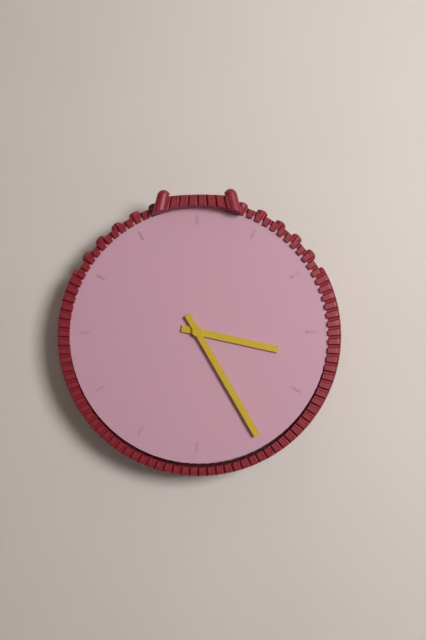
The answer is 3:25
